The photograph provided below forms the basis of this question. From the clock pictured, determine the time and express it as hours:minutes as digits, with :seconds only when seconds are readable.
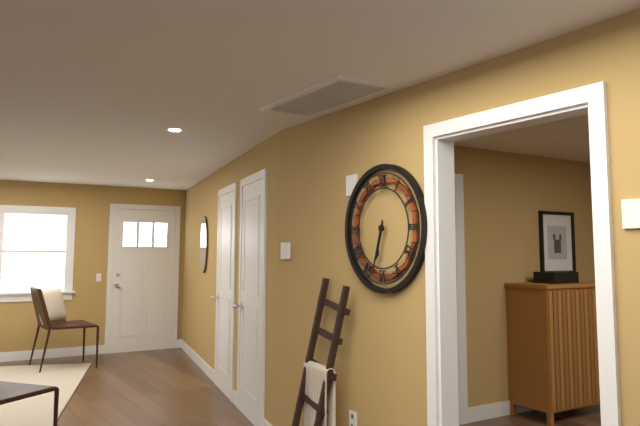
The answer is 6:33
